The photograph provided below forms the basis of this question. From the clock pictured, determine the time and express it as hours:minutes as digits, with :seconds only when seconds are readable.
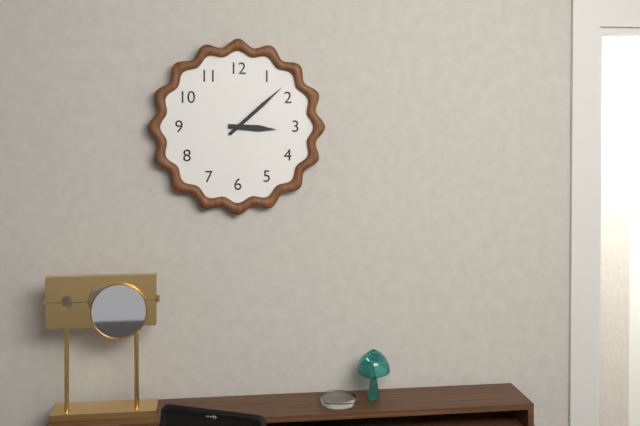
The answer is 3:08
